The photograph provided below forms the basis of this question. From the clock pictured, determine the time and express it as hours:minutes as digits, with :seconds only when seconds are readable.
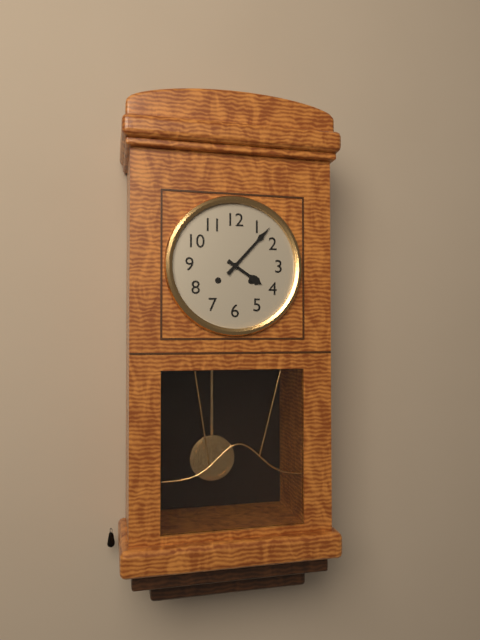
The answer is 4:07
